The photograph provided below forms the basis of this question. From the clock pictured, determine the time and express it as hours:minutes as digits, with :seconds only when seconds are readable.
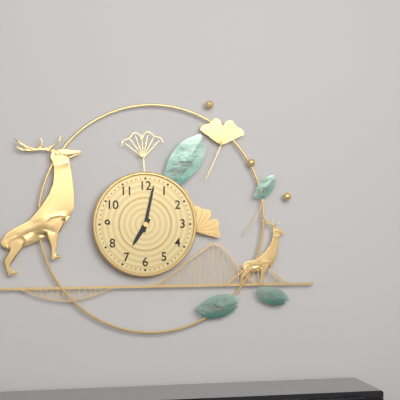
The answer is 7:02
